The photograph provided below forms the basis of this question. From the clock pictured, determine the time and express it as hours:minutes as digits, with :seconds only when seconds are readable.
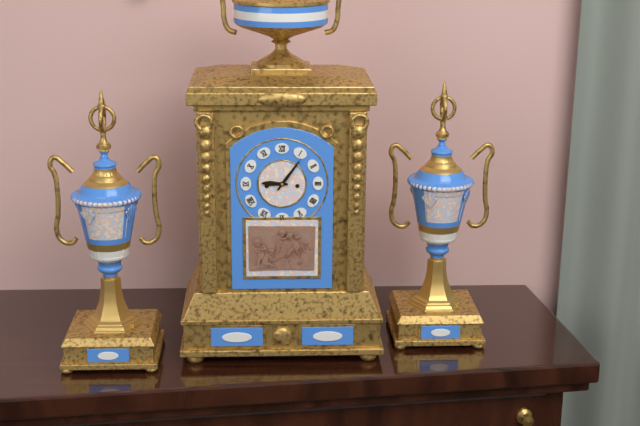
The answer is 9:06
